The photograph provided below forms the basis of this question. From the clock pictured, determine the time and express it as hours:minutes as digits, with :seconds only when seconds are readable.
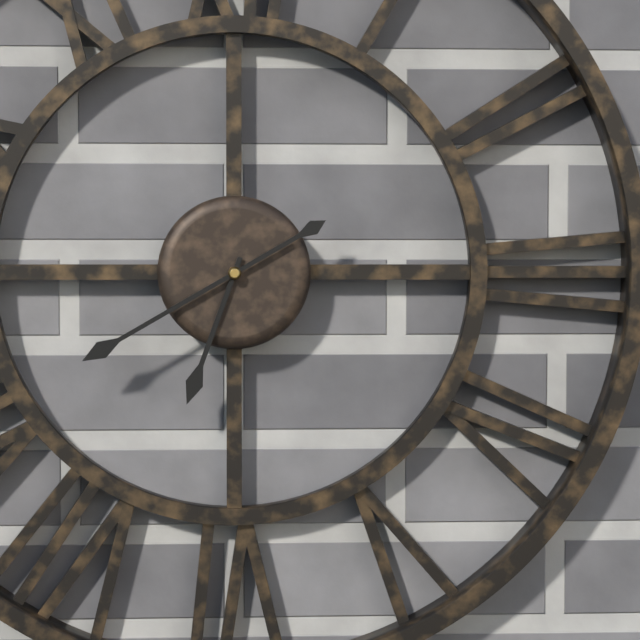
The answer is 6:40
